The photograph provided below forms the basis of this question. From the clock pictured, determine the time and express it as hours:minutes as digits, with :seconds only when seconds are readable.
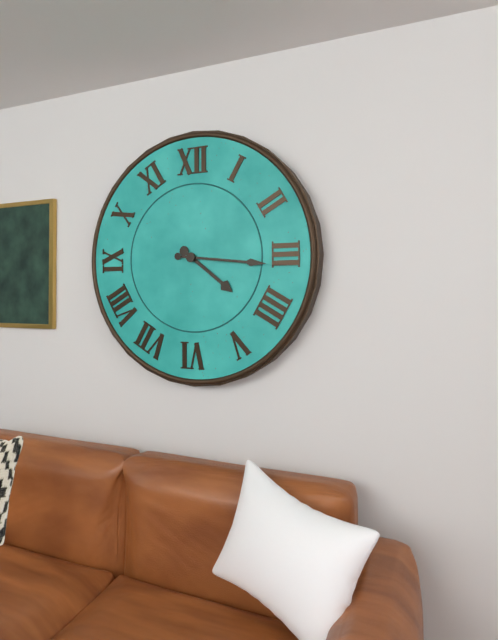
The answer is 4:16
